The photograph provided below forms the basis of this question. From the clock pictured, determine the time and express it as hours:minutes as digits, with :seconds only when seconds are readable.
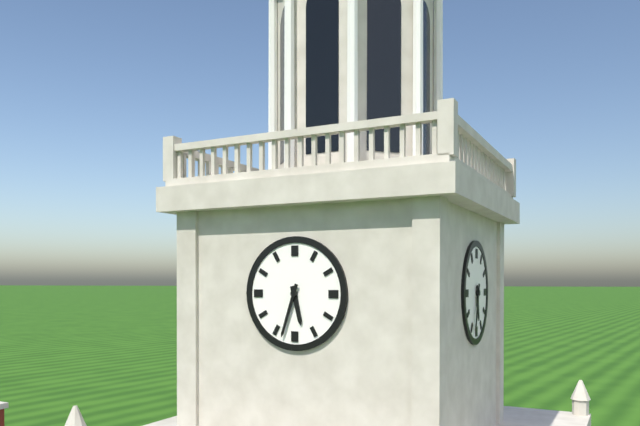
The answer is 5:33
